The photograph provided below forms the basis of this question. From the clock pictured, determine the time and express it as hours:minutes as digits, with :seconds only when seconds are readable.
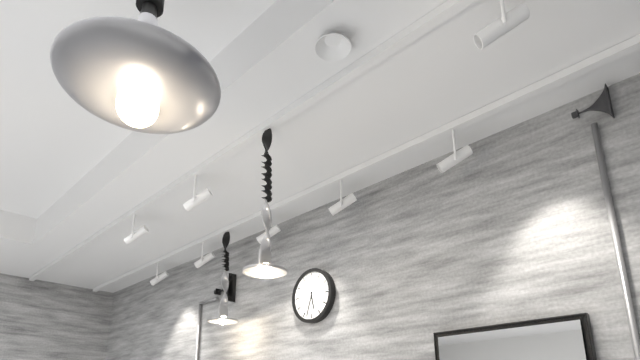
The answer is 5:33
